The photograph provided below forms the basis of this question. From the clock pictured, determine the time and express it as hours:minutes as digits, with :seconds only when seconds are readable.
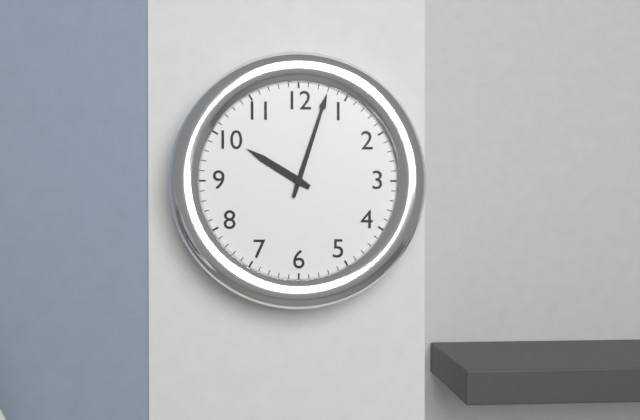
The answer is 10:03
